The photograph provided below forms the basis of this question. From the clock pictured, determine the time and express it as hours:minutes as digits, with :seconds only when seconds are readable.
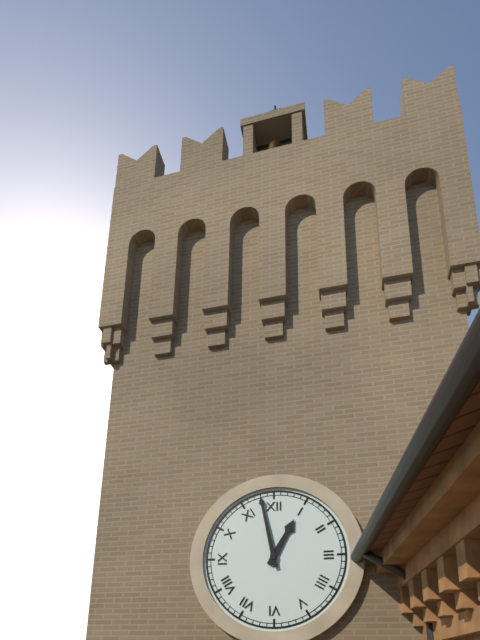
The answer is 12:58
